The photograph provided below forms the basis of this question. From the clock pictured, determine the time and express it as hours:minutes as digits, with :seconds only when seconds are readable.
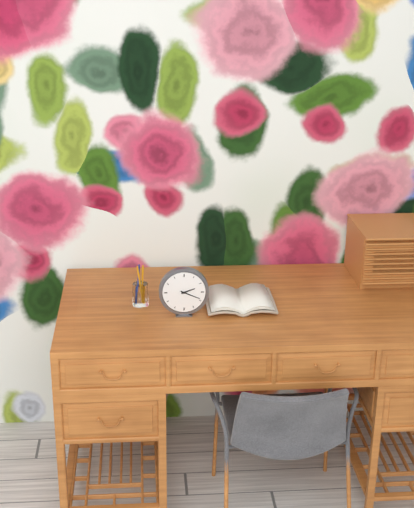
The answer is 2:19
